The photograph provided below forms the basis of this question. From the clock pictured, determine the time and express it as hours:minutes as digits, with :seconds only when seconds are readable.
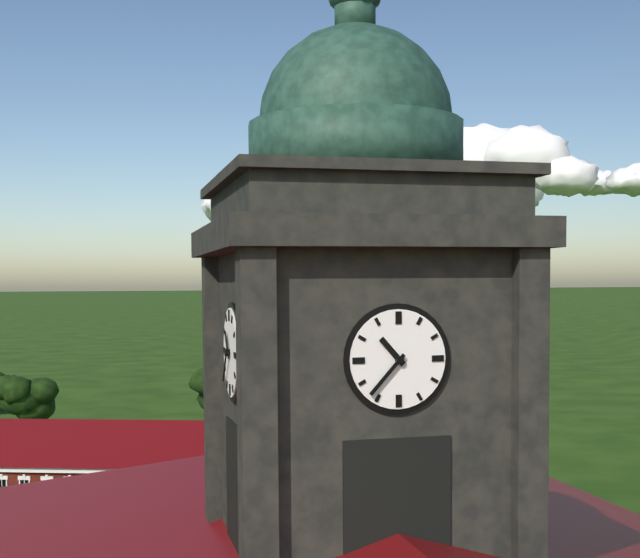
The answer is 10:37
